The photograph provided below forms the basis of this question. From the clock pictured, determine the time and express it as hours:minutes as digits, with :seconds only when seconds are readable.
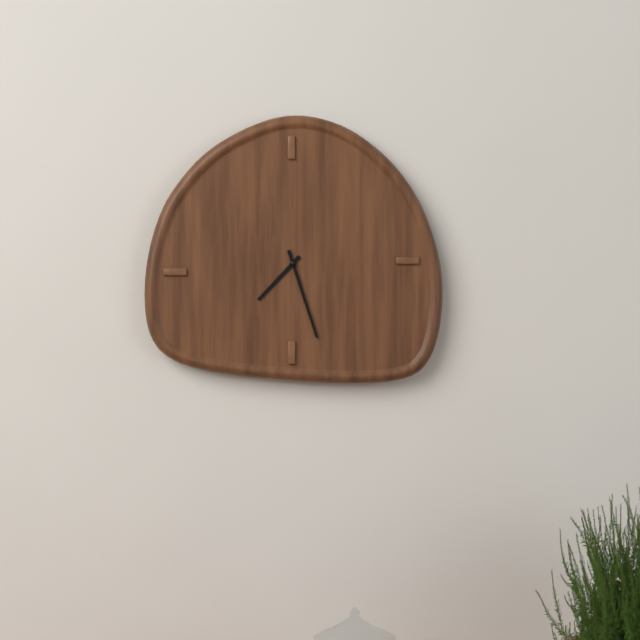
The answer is 7:27
